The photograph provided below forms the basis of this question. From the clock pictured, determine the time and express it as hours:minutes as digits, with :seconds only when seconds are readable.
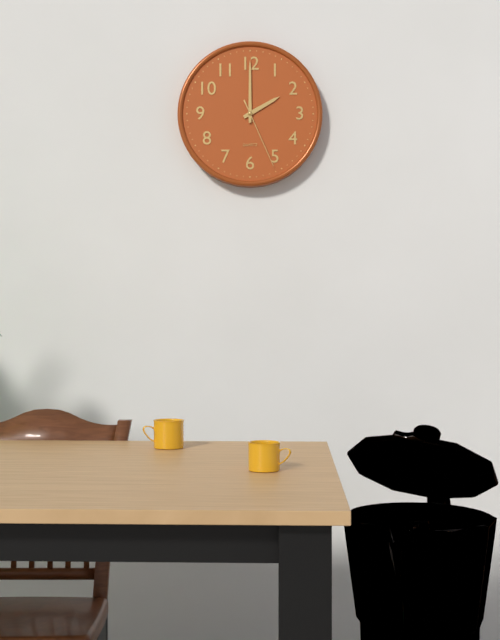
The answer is 2:00:26
